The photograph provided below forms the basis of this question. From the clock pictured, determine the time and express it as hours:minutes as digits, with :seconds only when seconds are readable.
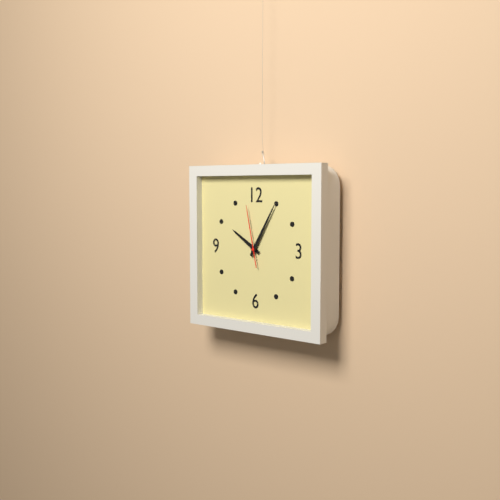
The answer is 10:05:58
